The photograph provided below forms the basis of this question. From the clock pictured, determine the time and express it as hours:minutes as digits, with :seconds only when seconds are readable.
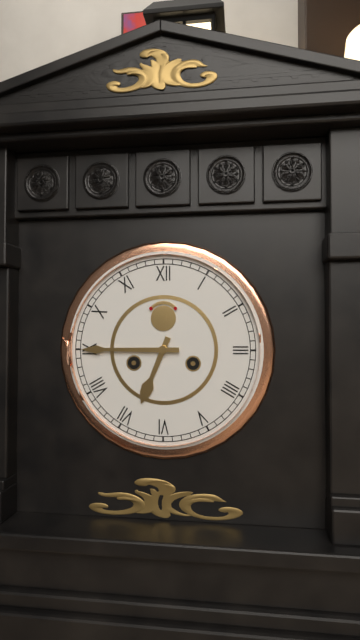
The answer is 6:45
